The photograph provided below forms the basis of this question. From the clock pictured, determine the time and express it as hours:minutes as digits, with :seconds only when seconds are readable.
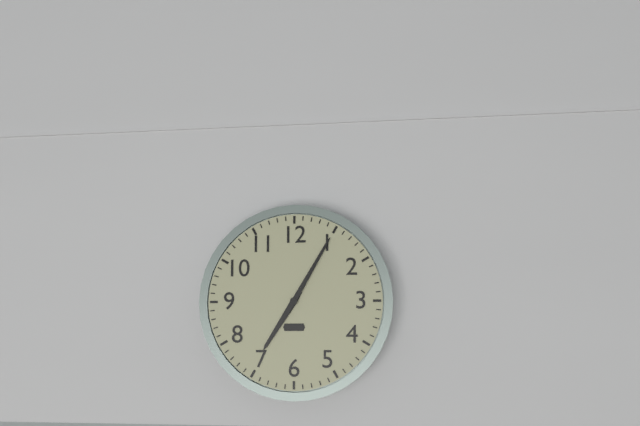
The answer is 7:05
